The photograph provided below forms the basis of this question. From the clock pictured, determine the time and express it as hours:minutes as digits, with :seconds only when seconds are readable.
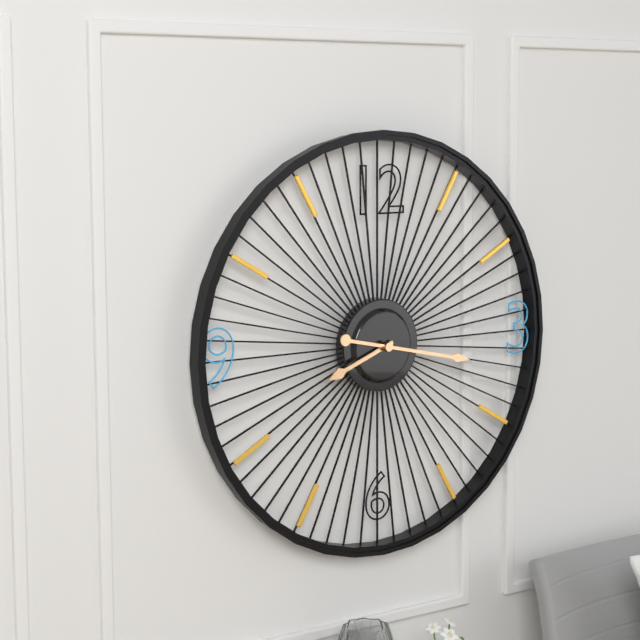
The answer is 8:17
